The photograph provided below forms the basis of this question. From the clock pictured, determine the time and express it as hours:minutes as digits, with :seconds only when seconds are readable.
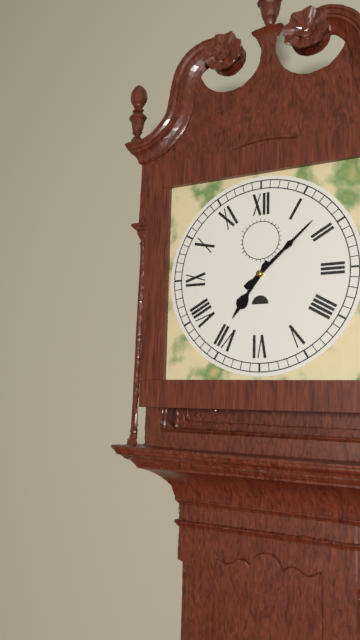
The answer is 7:08
